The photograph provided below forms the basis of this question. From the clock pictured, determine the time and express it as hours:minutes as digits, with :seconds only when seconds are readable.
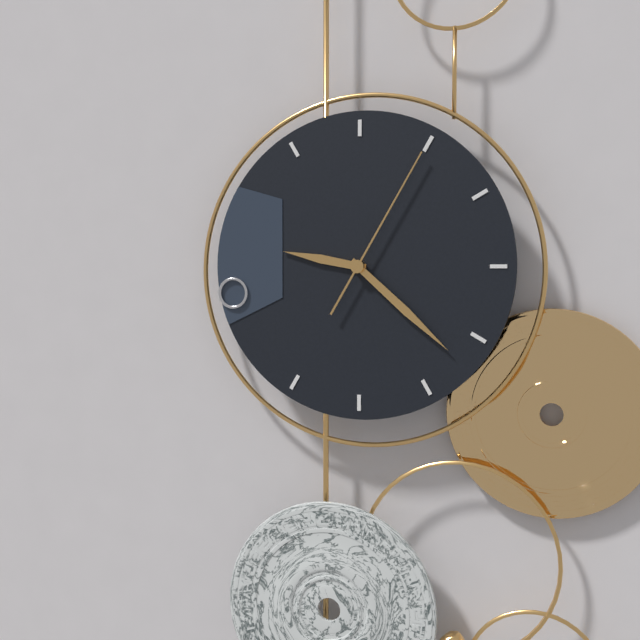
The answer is 9:22:05
